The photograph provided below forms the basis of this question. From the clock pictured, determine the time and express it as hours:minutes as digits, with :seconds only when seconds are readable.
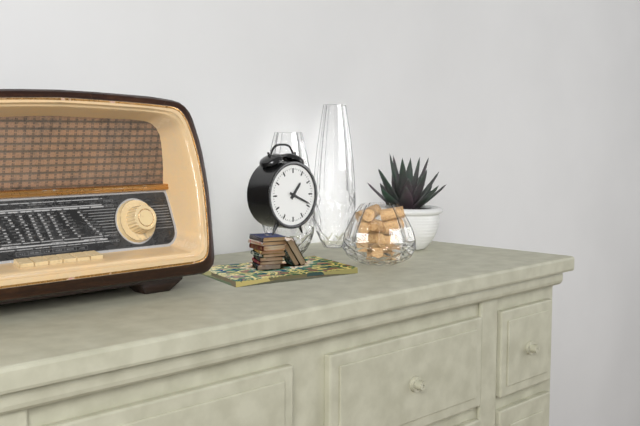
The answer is 1:19
